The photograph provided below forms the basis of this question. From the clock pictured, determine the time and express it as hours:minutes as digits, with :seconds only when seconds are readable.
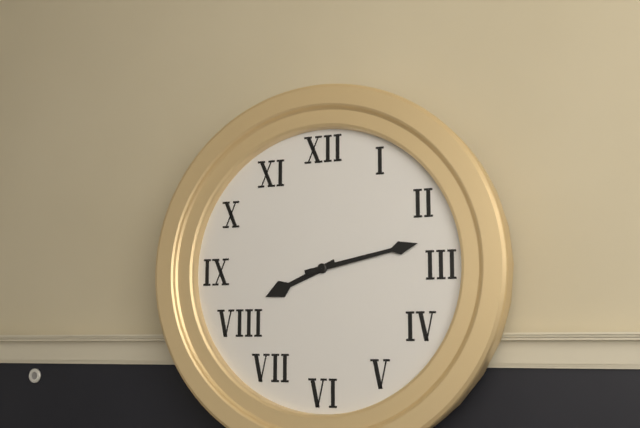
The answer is 8:13
